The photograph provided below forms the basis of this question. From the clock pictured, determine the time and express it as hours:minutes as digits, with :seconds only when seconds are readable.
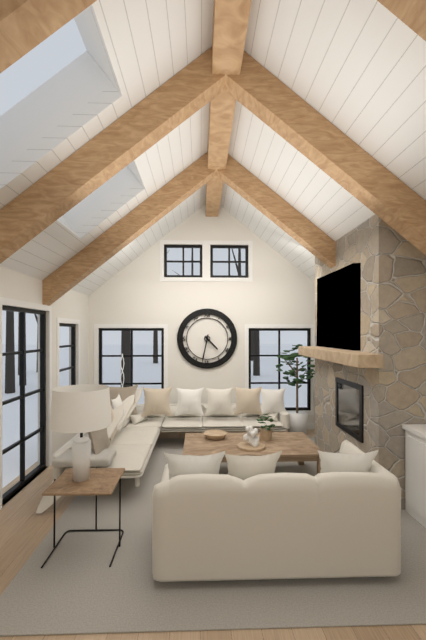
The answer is 4:32
